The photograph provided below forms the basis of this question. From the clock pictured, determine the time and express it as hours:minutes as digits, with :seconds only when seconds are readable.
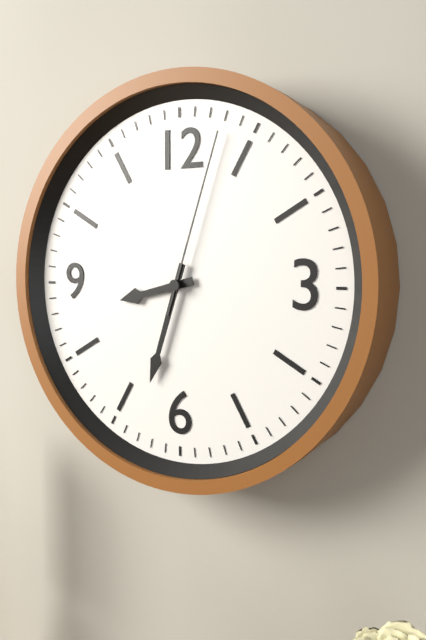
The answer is 8:33:03
